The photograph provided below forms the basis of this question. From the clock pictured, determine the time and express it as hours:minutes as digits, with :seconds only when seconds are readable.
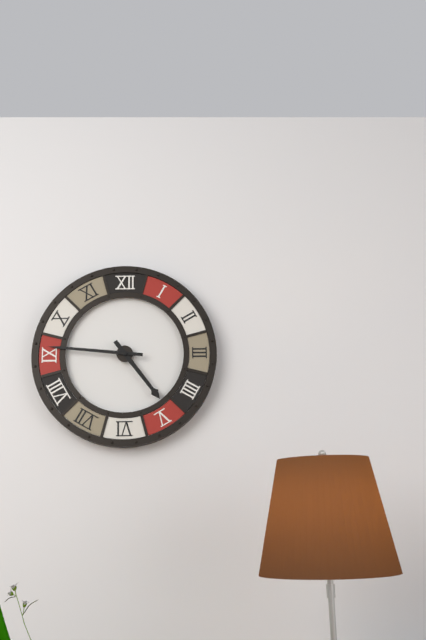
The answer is 4:46
